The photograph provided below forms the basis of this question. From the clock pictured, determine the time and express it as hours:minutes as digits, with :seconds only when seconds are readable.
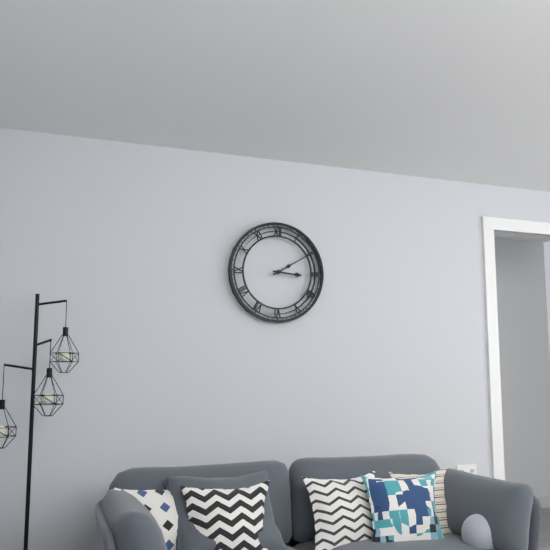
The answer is 3:10
